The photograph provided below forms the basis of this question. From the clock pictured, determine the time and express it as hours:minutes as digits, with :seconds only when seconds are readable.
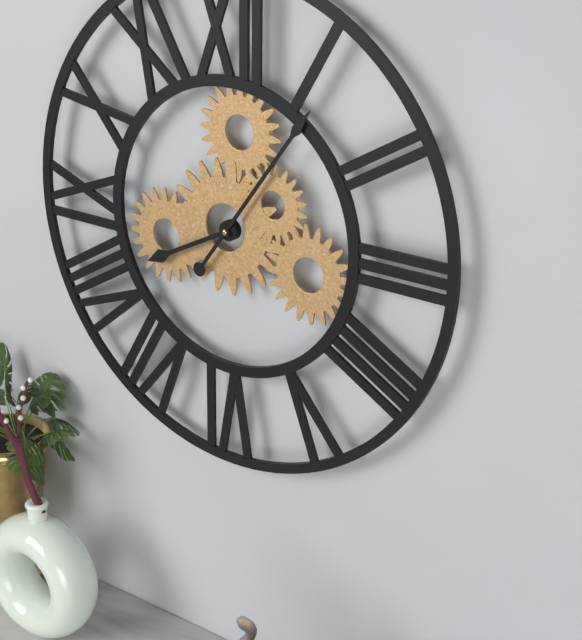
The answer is 8:06
